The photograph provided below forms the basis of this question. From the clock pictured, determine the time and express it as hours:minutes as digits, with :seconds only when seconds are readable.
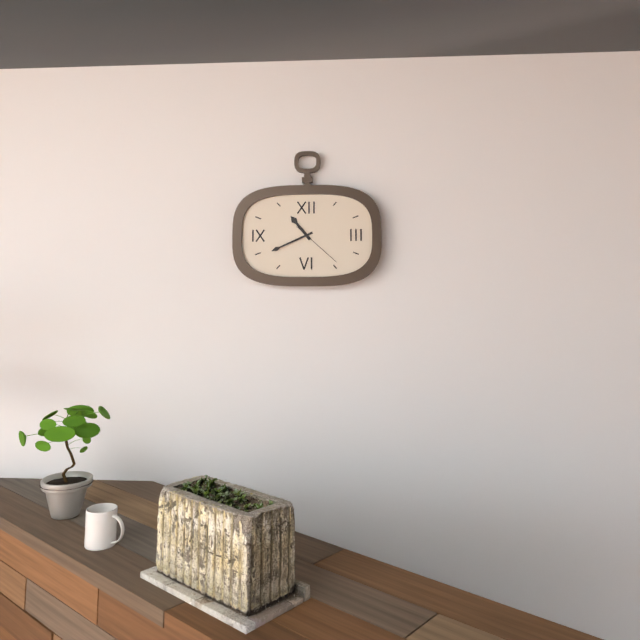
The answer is 10:41
